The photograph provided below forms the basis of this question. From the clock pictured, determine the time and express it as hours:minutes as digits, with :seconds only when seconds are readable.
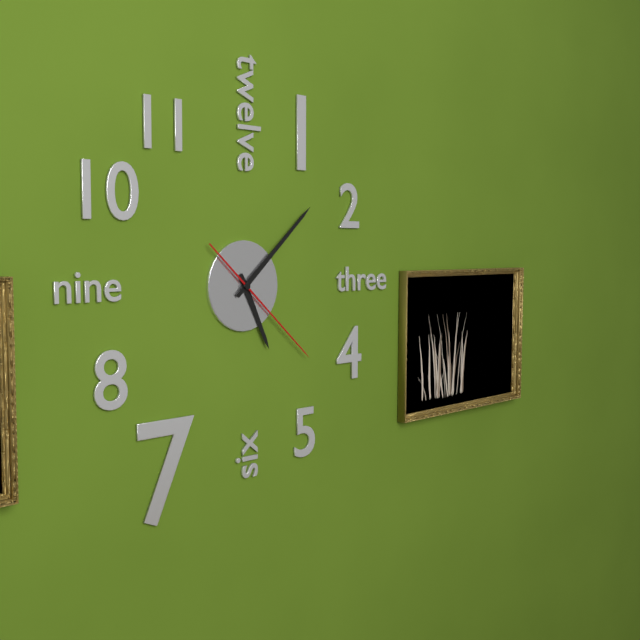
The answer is 5:08:22
